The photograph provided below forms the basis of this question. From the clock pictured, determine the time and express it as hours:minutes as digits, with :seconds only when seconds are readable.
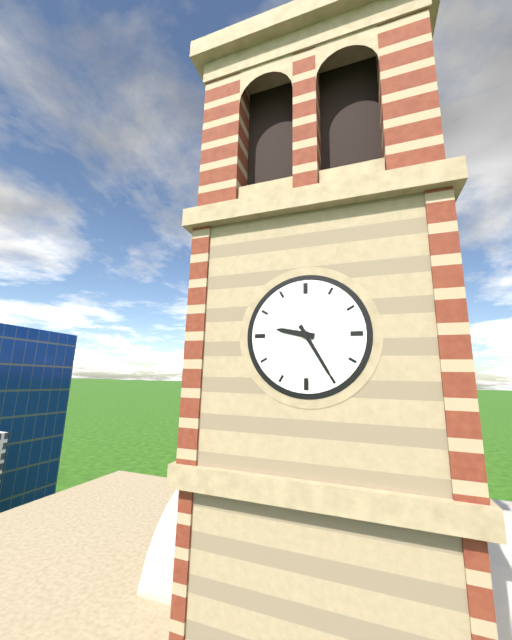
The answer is 9:25
